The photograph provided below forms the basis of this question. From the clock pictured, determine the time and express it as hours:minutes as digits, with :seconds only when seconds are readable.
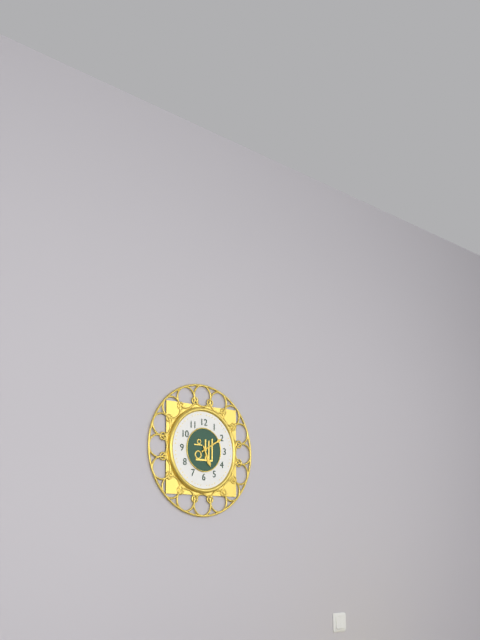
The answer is 5:10
